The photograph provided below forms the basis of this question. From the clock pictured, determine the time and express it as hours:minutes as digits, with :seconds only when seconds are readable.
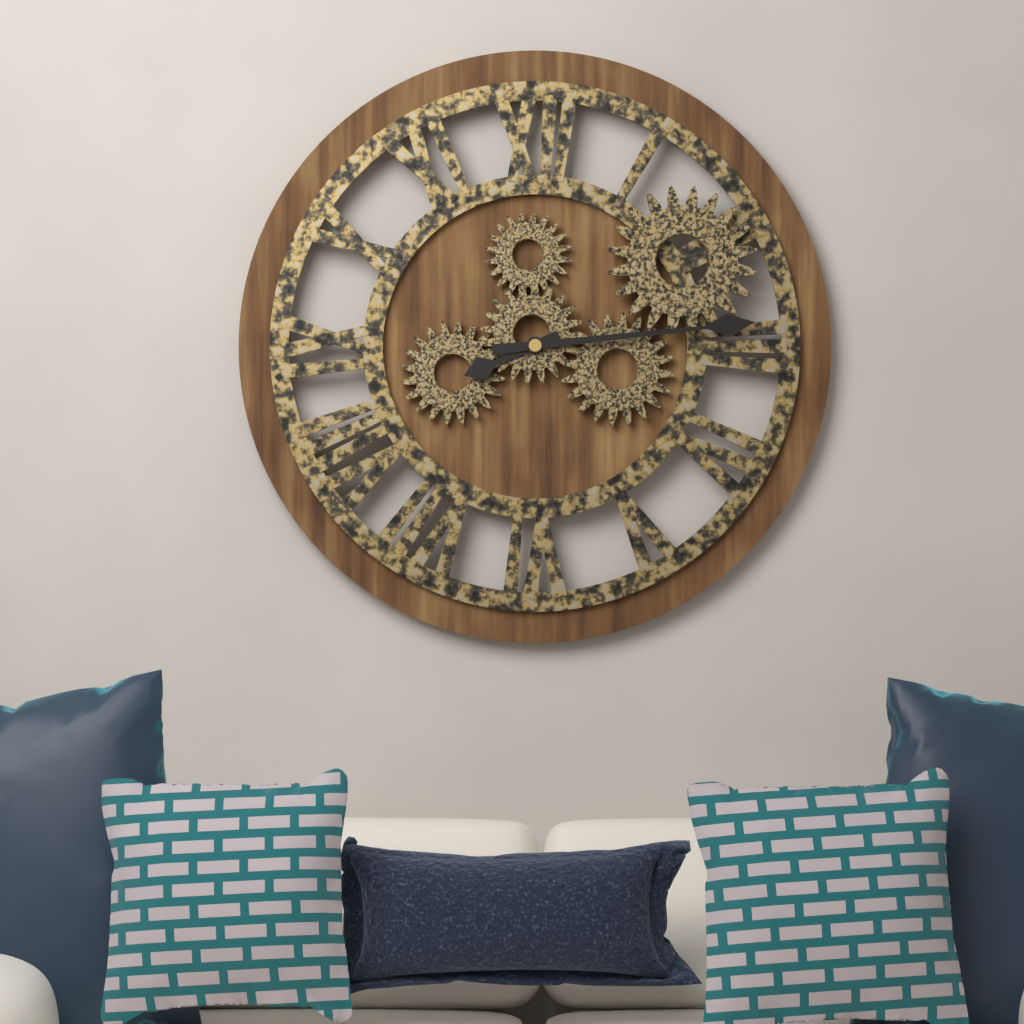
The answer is 8:14
